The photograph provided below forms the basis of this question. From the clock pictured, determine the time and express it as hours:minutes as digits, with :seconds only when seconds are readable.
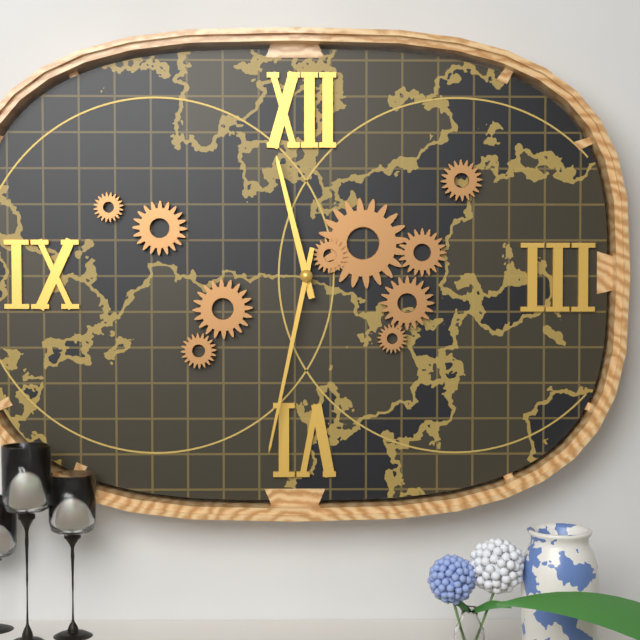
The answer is 11:32
